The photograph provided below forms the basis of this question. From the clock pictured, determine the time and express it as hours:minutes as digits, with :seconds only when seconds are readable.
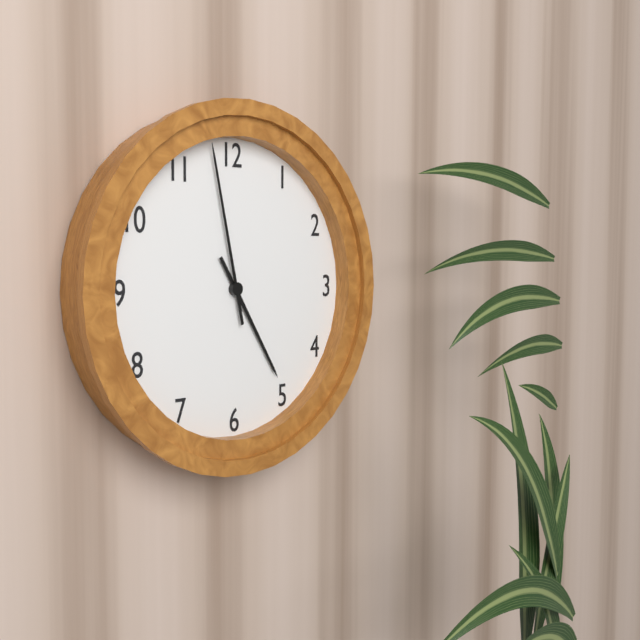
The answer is 4:58
